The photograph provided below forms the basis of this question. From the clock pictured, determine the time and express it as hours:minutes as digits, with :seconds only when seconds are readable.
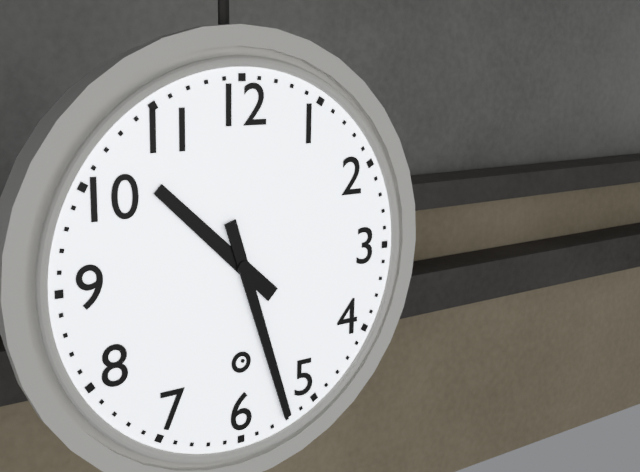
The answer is 10:27
